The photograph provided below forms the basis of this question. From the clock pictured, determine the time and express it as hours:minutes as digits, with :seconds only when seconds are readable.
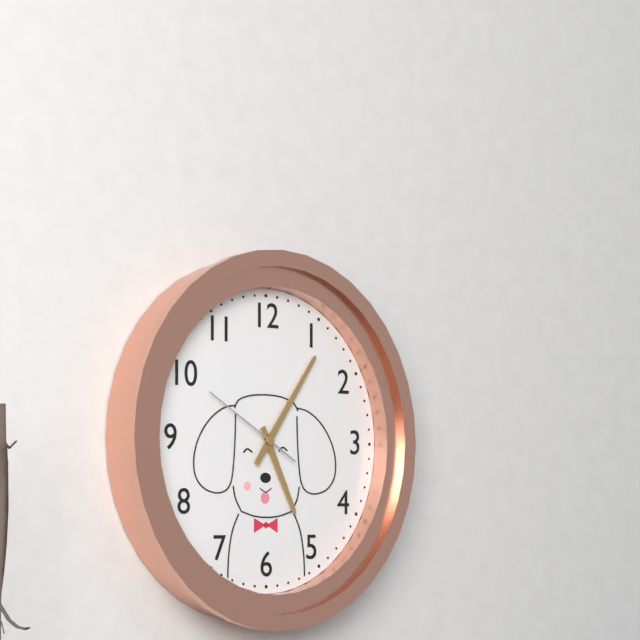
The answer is 5:06:50
